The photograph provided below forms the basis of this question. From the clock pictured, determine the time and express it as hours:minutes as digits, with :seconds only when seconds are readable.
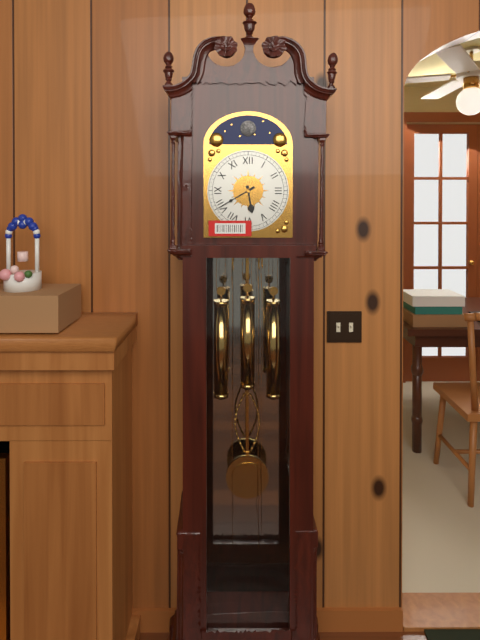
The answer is 5:40
